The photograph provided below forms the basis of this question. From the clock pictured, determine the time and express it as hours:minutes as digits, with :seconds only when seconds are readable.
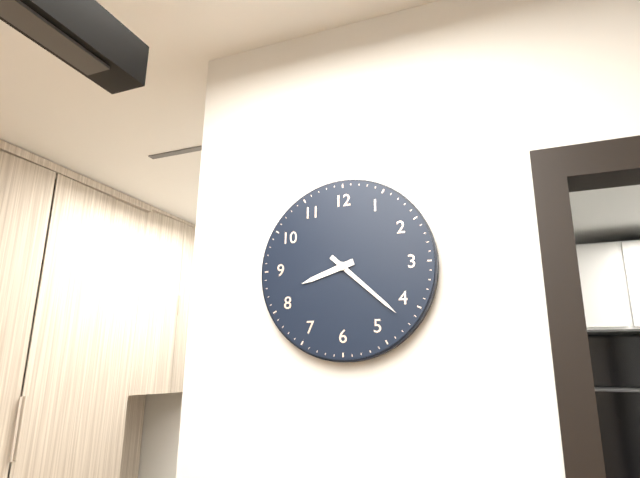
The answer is 8:22
